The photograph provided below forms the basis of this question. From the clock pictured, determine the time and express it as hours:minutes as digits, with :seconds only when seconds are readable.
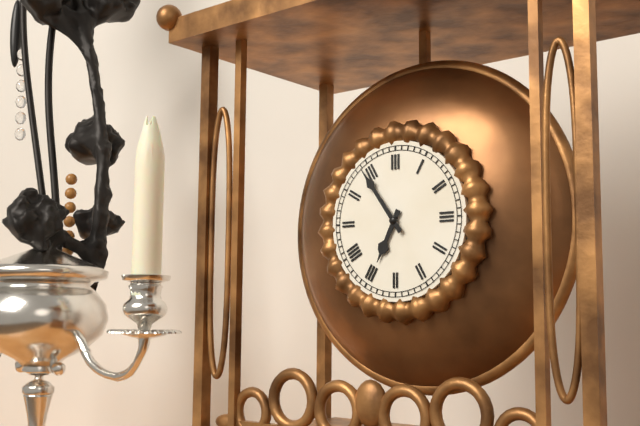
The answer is 6:54
